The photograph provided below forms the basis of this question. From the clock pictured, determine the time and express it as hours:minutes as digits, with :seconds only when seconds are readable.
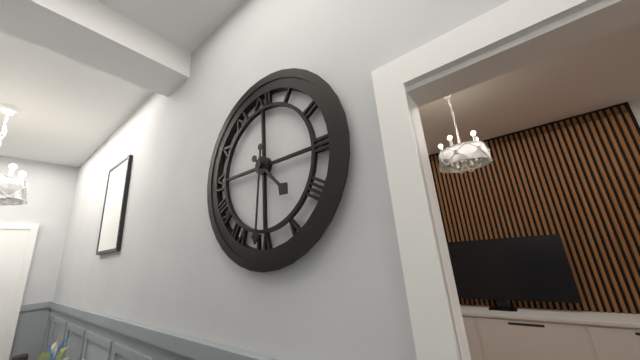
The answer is 4:31
